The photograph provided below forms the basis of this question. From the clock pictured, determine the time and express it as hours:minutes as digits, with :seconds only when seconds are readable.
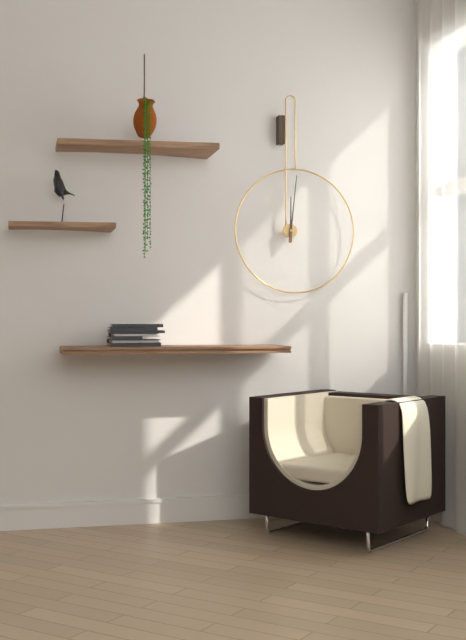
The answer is 12:01
